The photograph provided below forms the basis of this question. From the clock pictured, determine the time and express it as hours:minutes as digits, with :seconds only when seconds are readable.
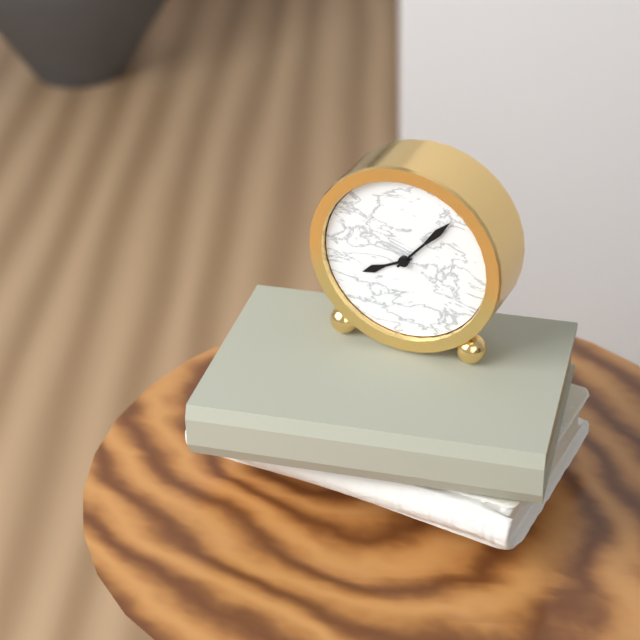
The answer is 8:07
